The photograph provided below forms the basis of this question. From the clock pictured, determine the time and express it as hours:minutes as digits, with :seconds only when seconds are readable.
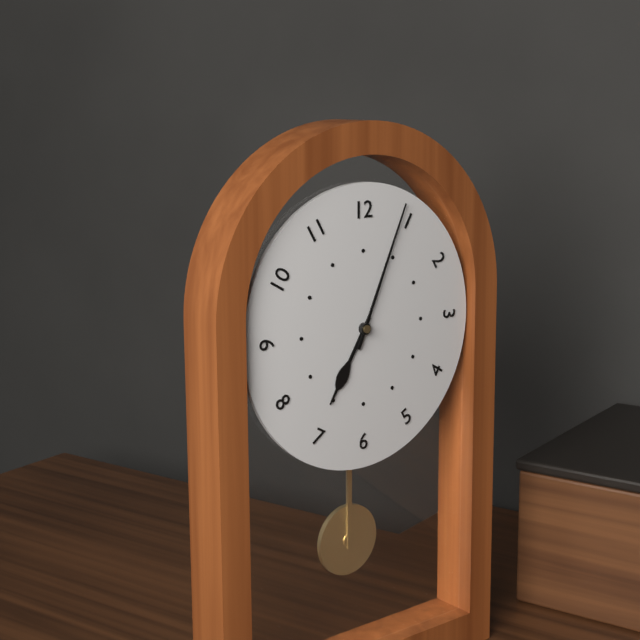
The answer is 7:04
